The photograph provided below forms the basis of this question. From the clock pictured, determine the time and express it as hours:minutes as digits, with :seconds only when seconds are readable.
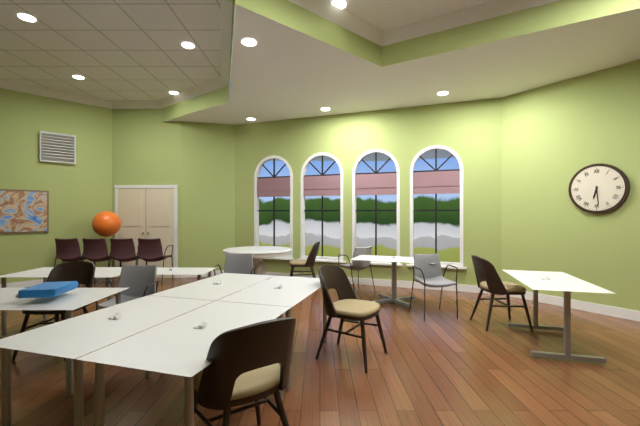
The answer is 6:29
